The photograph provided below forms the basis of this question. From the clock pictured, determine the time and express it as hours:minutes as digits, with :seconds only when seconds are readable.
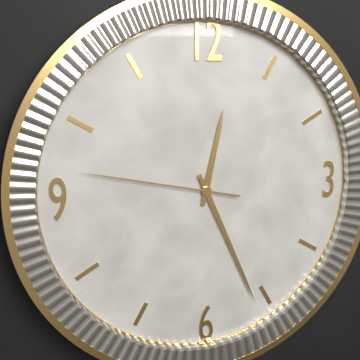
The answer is 12:26:47
